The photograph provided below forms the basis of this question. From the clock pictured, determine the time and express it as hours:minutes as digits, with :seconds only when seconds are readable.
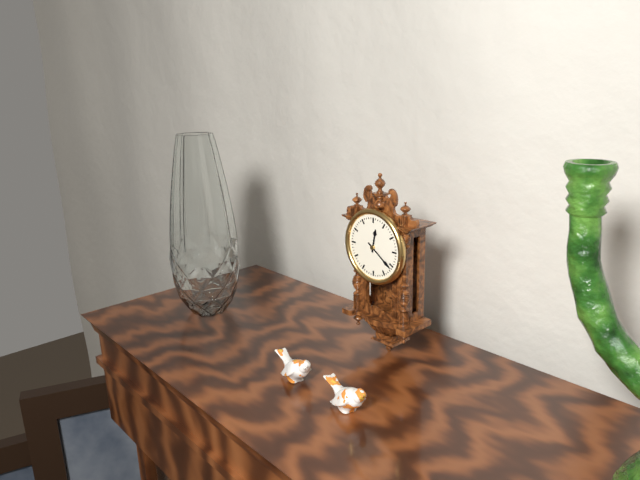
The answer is 12:21
